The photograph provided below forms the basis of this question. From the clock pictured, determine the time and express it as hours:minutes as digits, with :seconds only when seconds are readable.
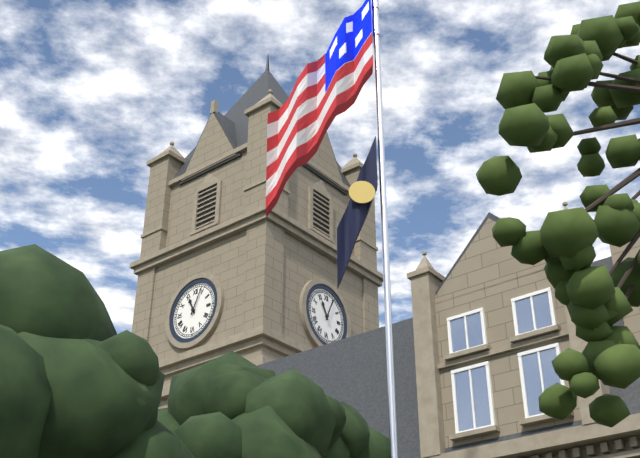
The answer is 11:04
